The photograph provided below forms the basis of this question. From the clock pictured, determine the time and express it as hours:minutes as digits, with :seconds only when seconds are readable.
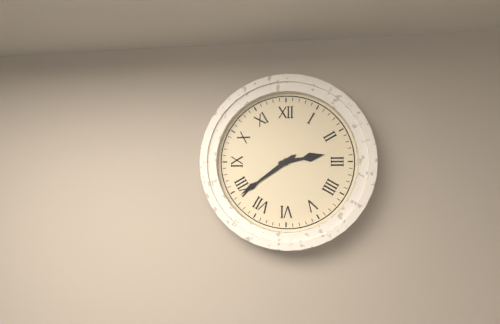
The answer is 2:39
